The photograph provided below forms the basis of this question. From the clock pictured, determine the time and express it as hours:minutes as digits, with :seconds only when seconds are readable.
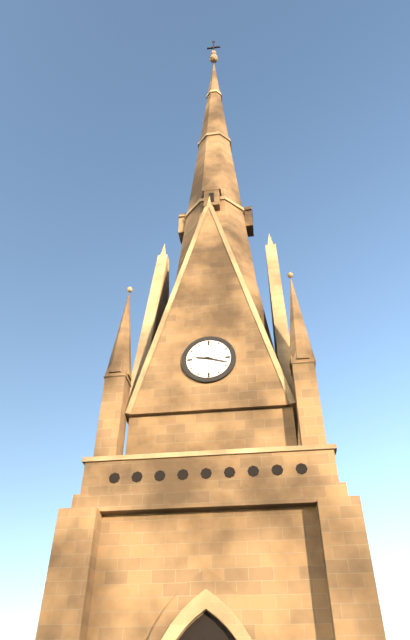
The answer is 9:18
